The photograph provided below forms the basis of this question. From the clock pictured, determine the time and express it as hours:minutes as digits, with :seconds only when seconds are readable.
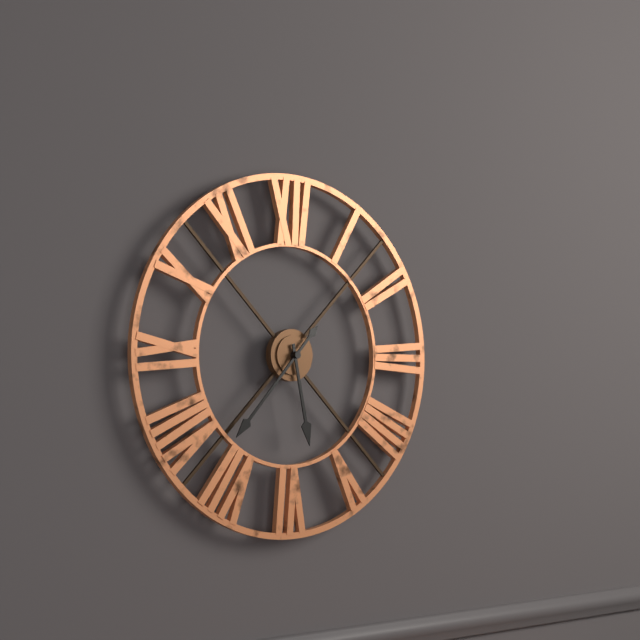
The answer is 5:37
